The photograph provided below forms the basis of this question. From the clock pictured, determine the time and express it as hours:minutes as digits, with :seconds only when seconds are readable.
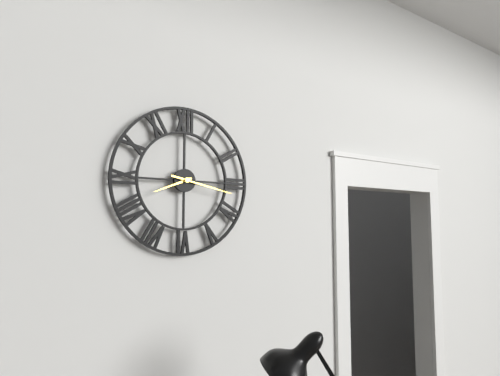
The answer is 8:17
